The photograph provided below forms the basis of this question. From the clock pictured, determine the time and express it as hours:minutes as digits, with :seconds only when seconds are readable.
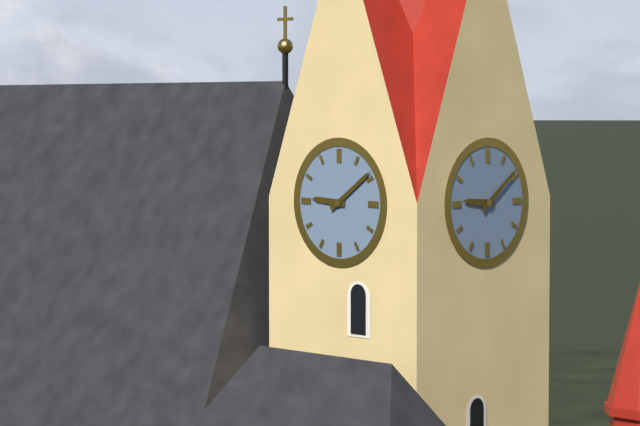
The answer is 9:09
